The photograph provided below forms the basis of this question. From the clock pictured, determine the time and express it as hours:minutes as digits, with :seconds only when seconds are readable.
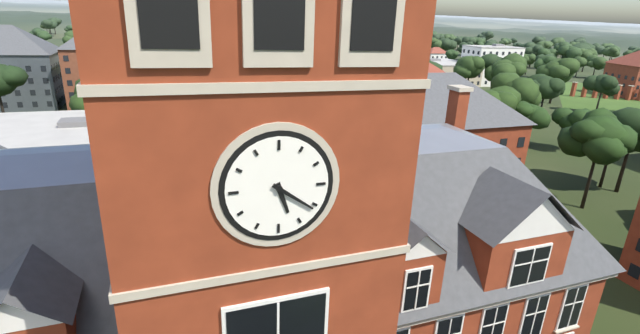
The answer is 5:21
